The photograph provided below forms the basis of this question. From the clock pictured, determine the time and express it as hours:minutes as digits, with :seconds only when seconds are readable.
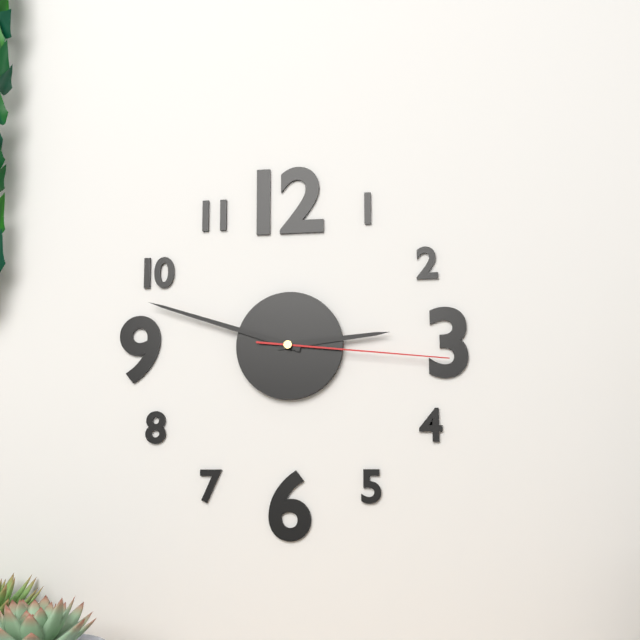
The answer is 2:48:16
